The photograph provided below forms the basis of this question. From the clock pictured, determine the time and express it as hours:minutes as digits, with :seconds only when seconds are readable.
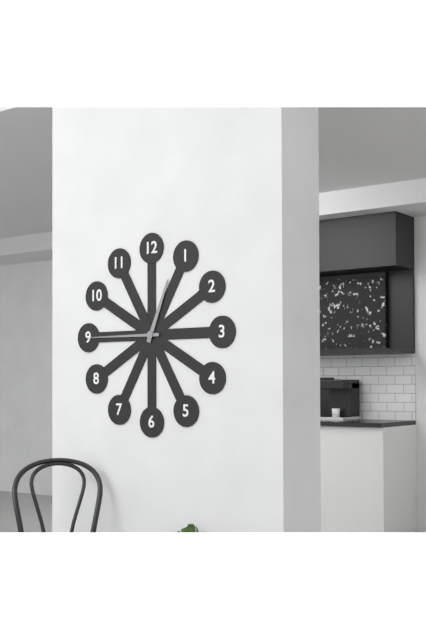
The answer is 12:45
